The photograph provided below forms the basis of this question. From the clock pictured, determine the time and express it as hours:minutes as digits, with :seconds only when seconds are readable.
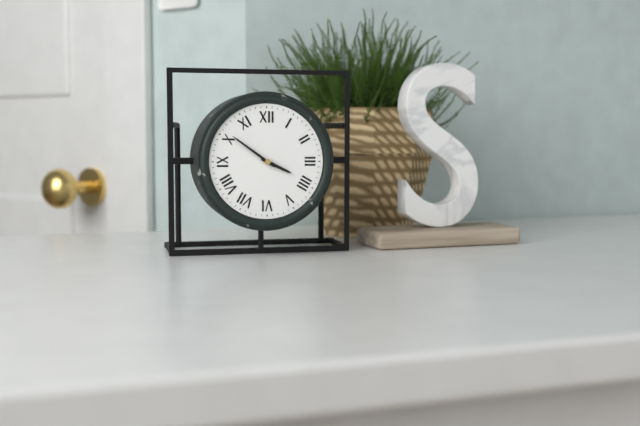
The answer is 3:51
